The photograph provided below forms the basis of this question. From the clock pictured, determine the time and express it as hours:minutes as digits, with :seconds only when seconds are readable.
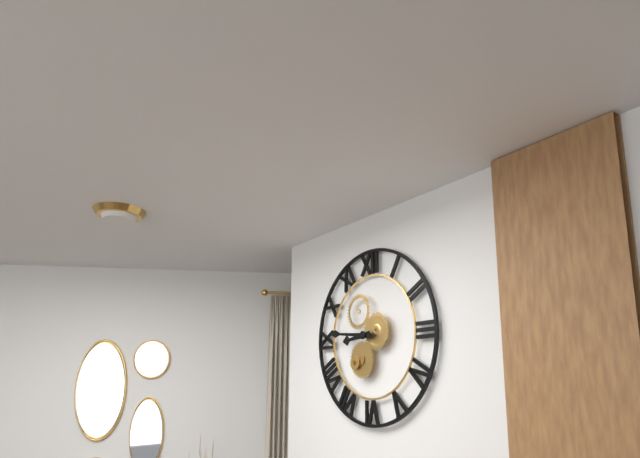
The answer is 8:46
